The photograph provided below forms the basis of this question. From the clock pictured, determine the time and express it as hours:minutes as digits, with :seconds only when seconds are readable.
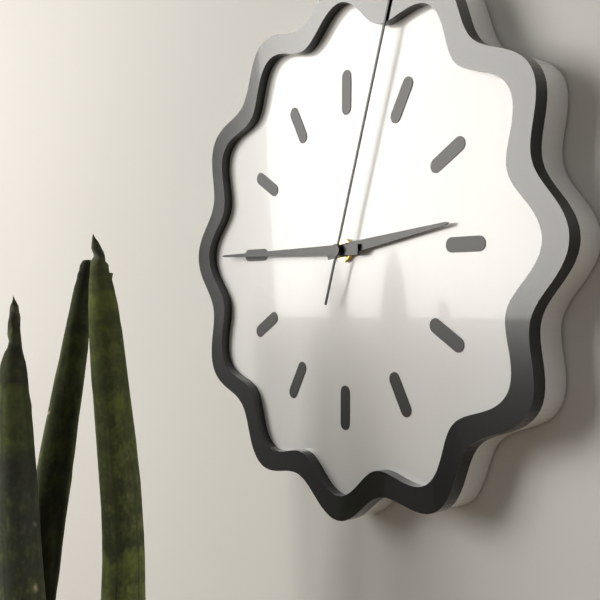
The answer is 2:45
